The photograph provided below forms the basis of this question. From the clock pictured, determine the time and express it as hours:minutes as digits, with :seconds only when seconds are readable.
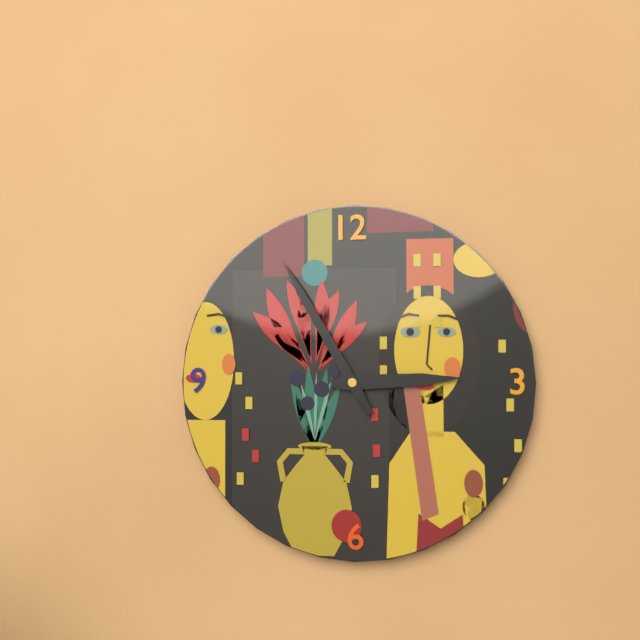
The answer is 2:55
